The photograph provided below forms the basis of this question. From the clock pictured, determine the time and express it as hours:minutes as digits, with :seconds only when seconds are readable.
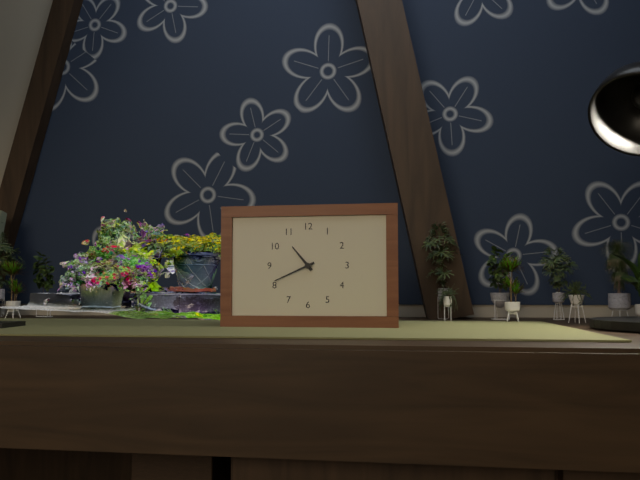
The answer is 10:41
